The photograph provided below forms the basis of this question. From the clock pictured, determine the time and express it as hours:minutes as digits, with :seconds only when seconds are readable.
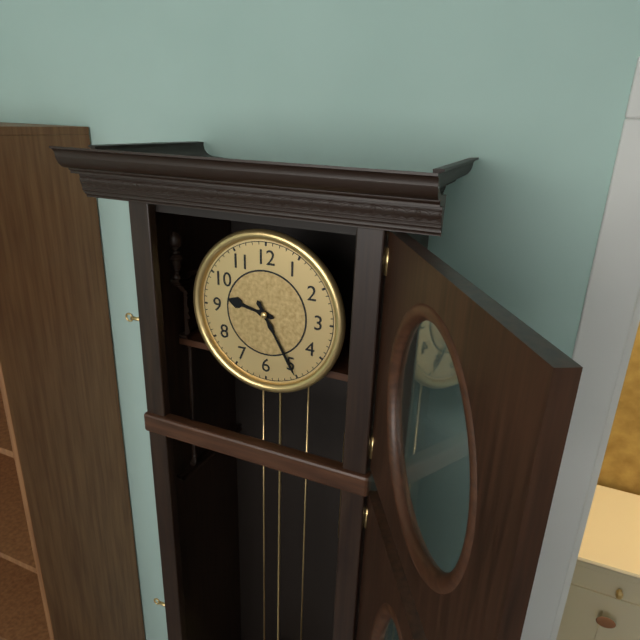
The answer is 9:25
